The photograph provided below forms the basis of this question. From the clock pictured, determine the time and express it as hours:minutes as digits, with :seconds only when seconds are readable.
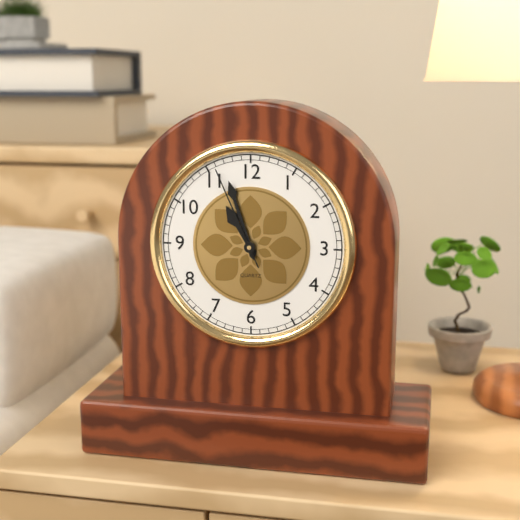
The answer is 10:57:56
